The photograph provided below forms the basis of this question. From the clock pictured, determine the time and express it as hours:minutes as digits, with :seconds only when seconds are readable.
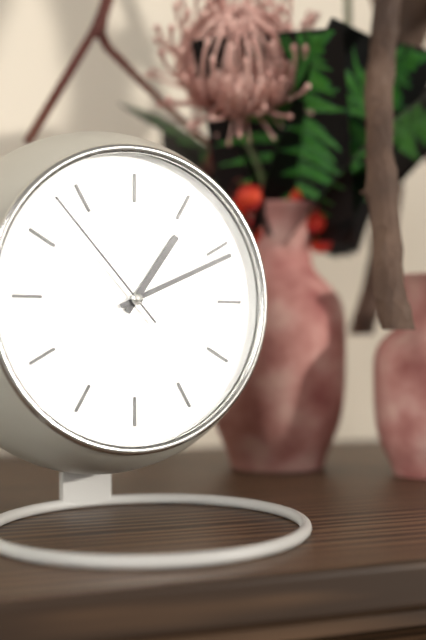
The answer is 1:11:53
